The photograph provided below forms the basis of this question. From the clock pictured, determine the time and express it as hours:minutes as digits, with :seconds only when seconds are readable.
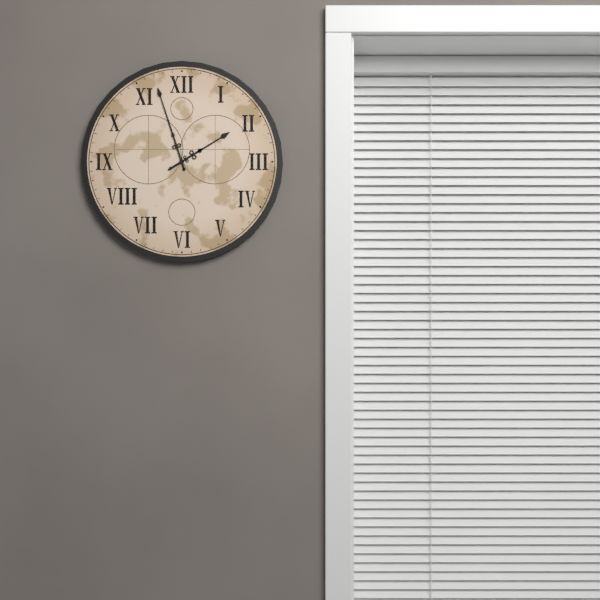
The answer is 1:57
